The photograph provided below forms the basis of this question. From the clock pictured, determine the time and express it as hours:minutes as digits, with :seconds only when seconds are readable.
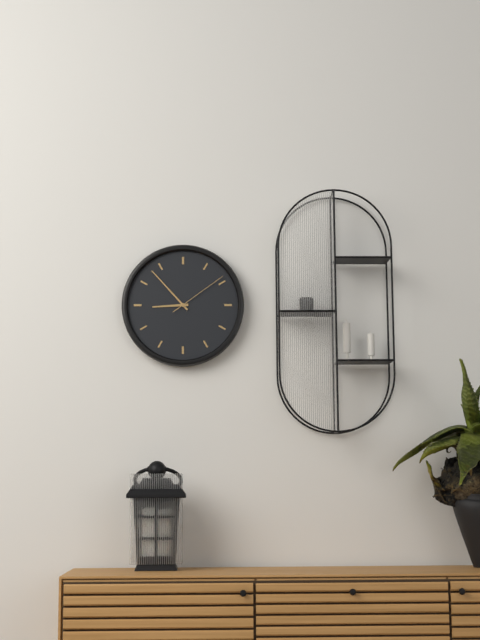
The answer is 8:53:09
